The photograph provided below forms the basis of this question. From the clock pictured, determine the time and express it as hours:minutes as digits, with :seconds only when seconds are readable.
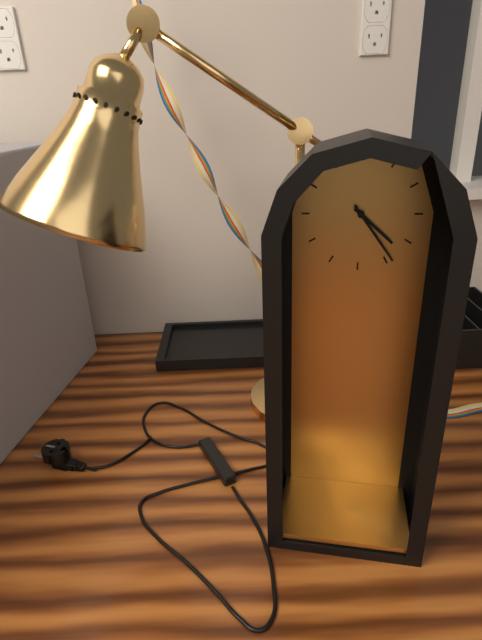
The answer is 4:24
